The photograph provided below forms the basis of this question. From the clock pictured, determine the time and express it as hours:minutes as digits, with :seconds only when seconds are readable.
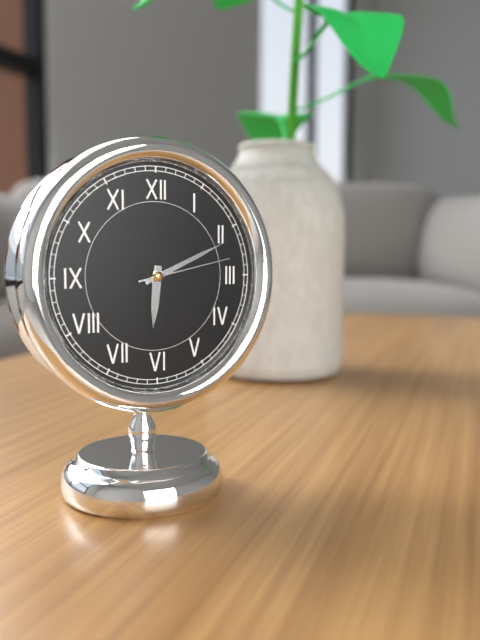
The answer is 6:11:13
